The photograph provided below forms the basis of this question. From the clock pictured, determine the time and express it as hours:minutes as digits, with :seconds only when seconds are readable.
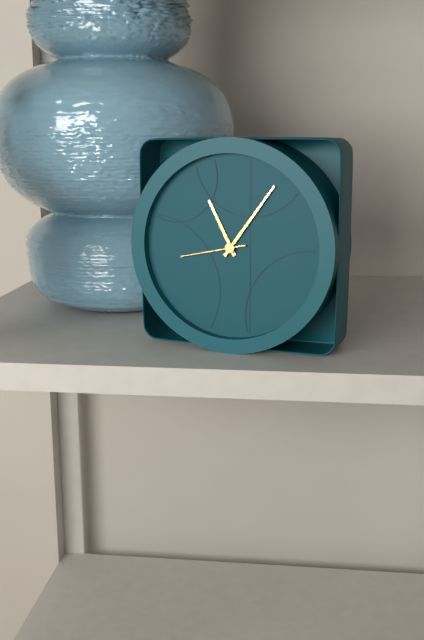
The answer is 11:06:43
